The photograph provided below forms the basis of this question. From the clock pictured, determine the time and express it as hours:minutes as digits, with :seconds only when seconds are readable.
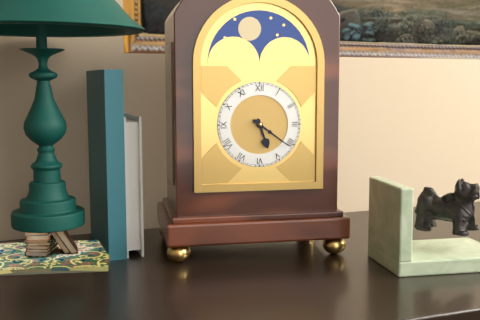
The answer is 5:21
